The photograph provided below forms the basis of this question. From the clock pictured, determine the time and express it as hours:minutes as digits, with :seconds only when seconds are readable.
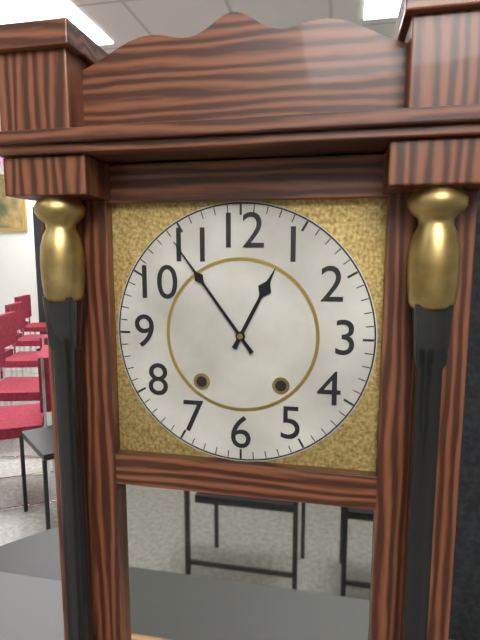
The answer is 12:54
